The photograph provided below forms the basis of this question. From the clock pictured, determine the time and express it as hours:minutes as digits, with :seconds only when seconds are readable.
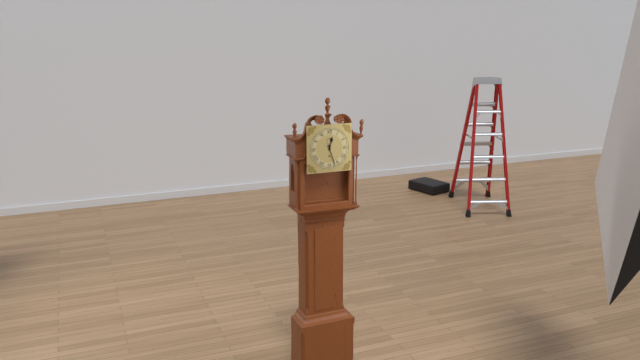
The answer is 12:27
